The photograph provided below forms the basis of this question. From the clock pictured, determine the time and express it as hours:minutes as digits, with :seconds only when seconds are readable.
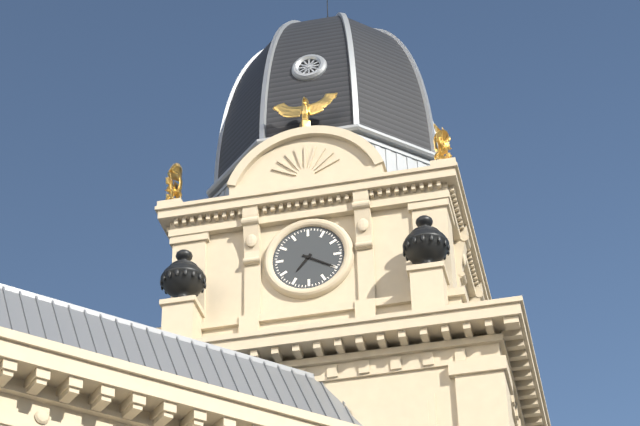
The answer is 7:20
